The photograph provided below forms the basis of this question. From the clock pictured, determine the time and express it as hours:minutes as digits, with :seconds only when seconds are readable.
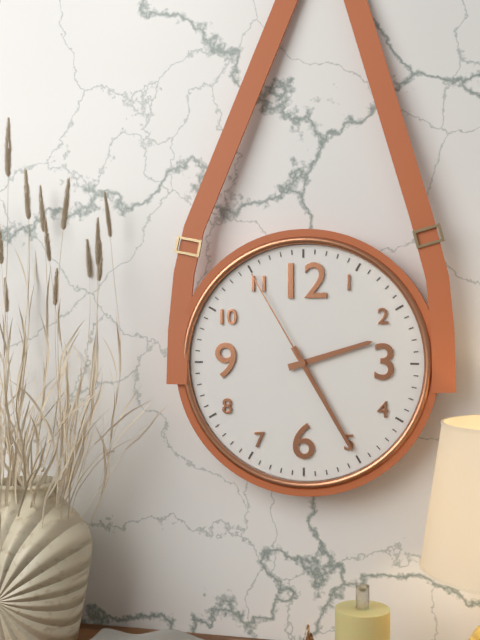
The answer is 2:25:55
